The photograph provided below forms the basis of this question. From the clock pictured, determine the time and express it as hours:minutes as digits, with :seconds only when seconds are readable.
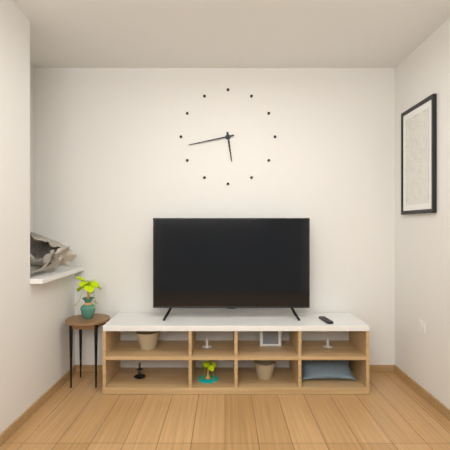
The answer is 5:43
